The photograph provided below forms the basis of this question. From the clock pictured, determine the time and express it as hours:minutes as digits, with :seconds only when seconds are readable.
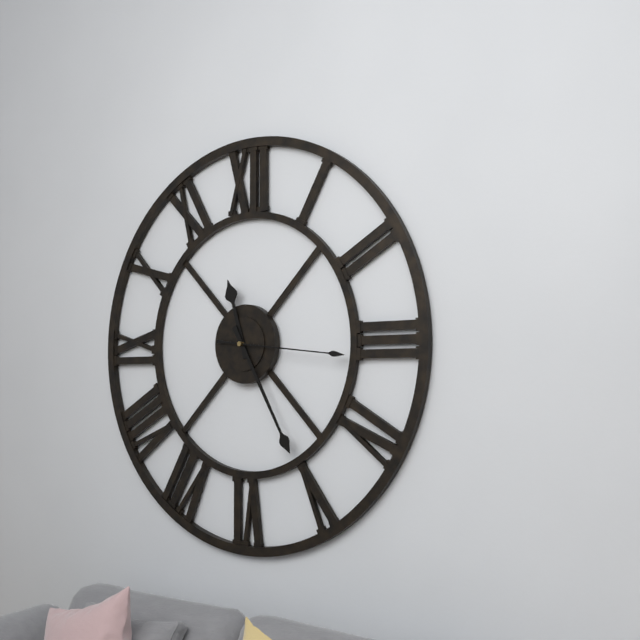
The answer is 11:25:16
